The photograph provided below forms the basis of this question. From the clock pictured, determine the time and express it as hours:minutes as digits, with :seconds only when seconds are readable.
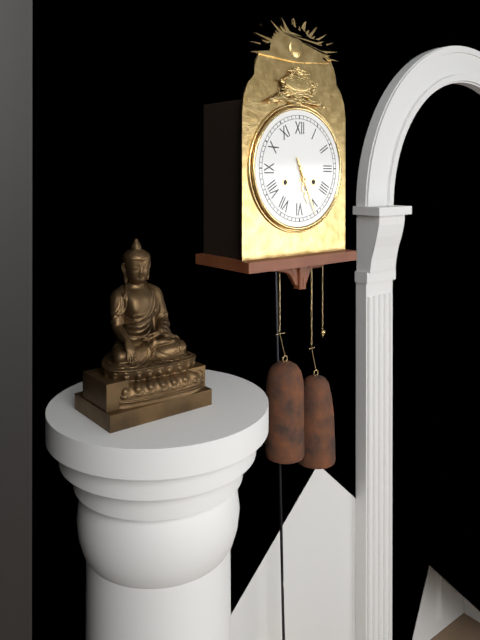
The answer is 5:26
